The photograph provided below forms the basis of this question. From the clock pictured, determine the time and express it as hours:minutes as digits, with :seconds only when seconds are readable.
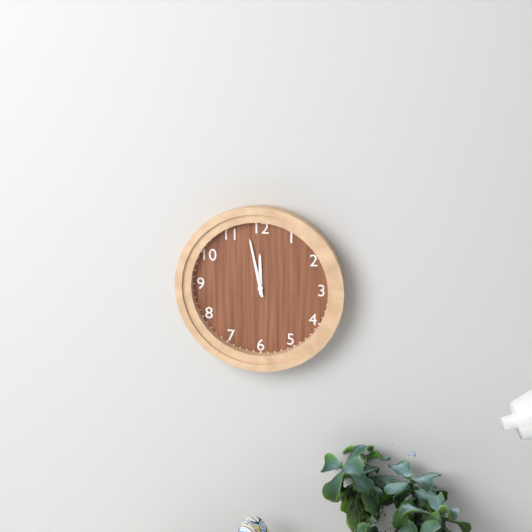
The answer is 11:58
